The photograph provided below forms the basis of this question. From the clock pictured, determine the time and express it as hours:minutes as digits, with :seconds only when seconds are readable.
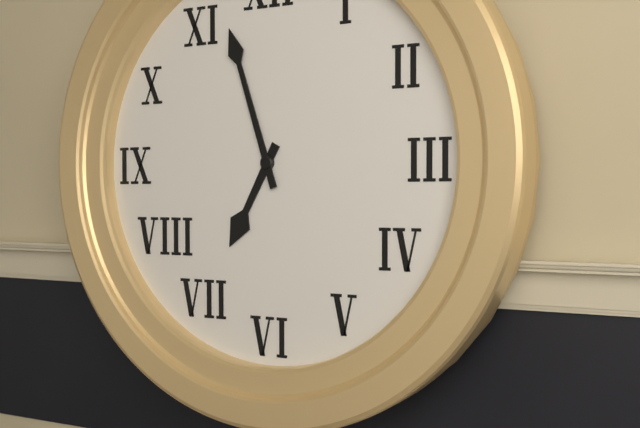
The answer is 6:57
